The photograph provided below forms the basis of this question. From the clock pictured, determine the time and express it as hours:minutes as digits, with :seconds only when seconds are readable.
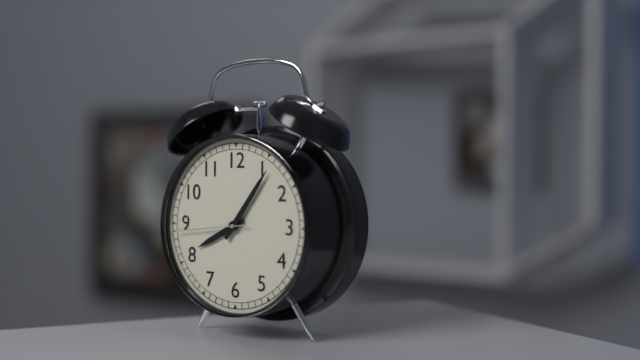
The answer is 8:06:44
